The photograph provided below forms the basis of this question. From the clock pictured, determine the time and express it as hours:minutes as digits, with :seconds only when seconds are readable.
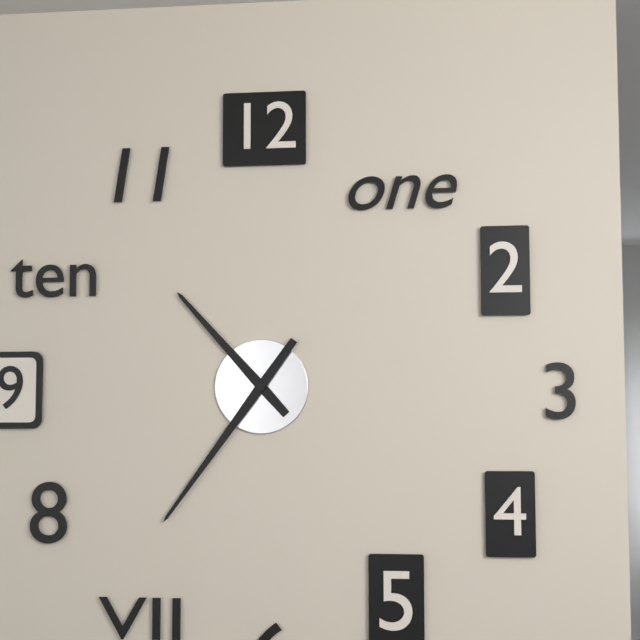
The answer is 10:36
